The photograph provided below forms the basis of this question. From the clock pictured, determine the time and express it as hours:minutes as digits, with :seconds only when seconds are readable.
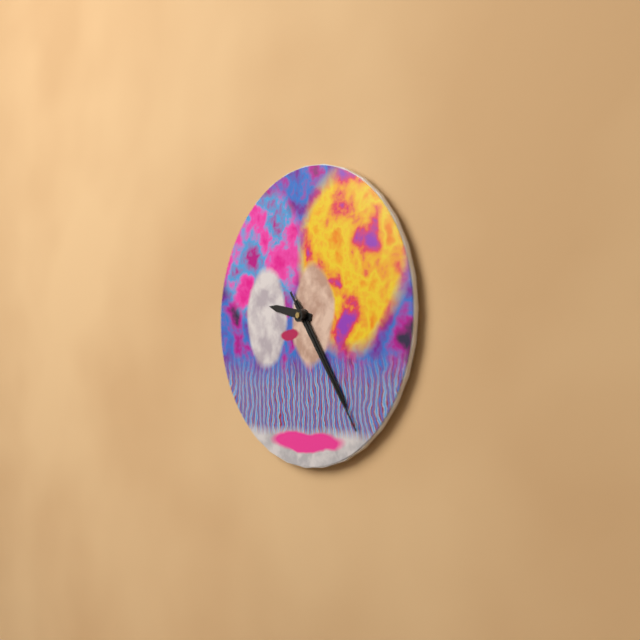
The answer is 9:24:24
